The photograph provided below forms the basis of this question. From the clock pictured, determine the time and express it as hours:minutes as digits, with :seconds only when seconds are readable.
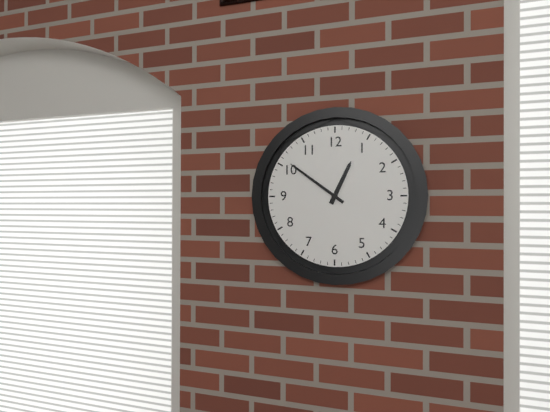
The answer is 12:51
